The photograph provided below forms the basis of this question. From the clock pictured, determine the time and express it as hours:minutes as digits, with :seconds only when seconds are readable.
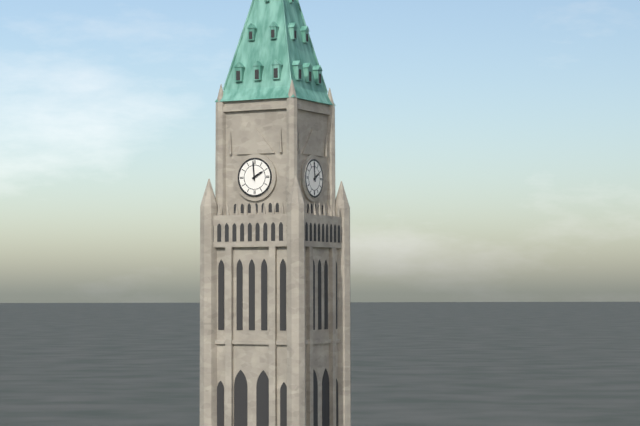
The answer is 1:59
